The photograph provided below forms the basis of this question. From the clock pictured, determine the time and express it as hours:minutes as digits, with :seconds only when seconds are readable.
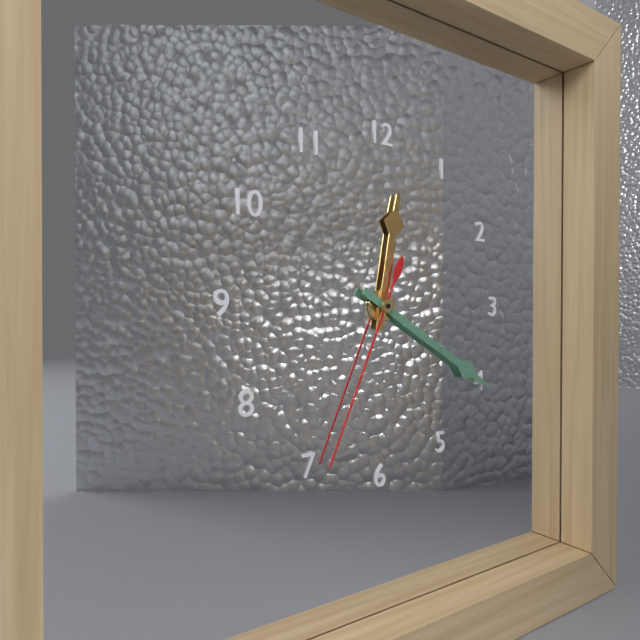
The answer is 12:20:34
